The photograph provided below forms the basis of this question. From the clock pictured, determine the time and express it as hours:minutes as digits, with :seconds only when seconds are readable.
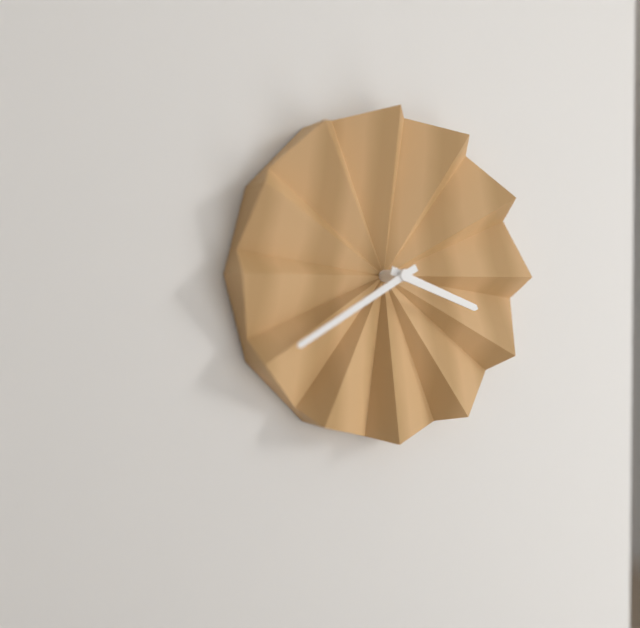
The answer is 3:40
